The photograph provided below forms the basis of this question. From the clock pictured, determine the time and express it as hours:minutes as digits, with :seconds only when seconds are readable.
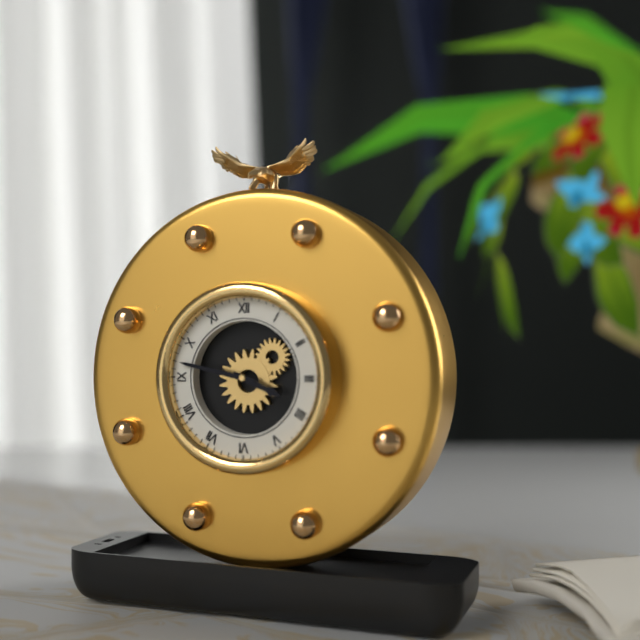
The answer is 3:47
